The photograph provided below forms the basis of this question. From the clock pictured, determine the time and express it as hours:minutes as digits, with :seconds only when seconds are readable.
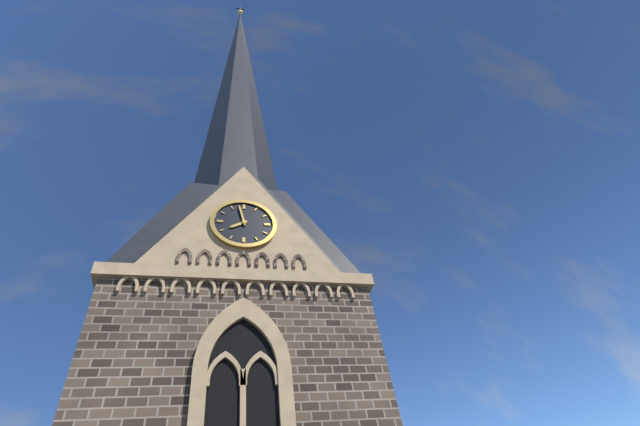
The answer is 7:58
